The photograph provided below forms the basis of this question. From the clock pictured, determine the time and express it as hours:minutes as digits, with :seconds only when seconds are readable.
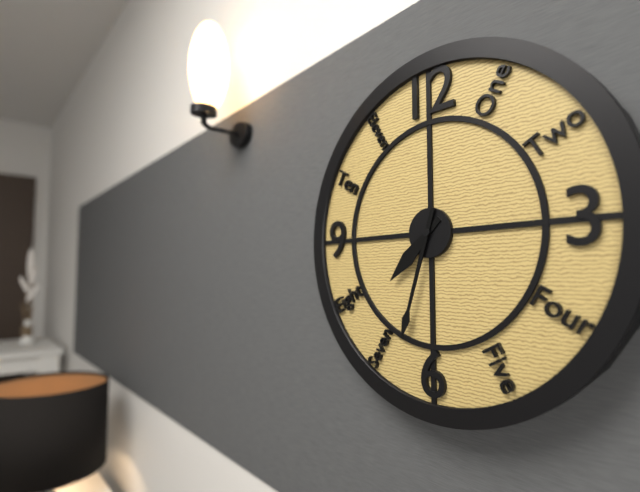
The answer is 7:33
